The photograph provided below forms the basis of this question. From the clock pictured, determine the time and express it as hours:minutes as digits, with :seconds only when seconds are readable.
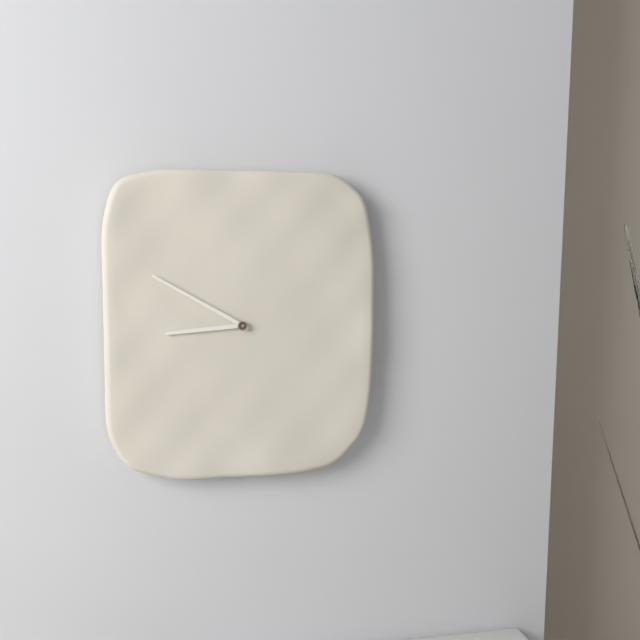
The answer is 8:50
